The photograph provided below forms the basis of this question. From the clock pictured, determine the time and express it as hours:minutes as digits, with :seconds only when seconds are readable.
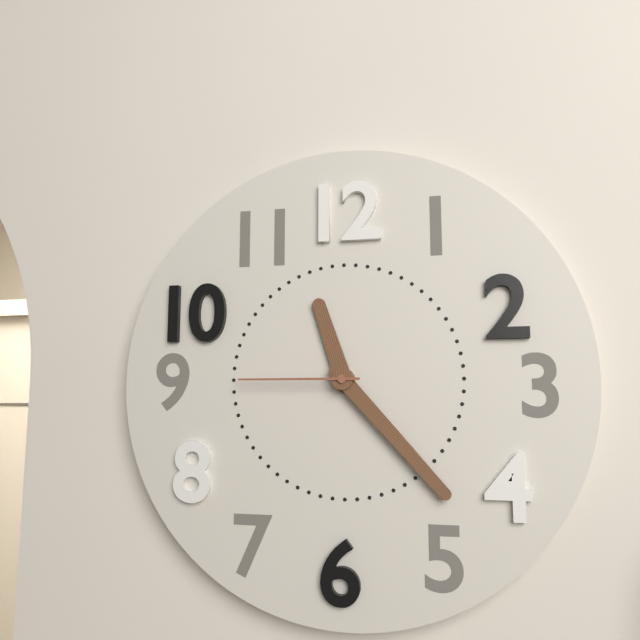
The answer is 11:23:45
